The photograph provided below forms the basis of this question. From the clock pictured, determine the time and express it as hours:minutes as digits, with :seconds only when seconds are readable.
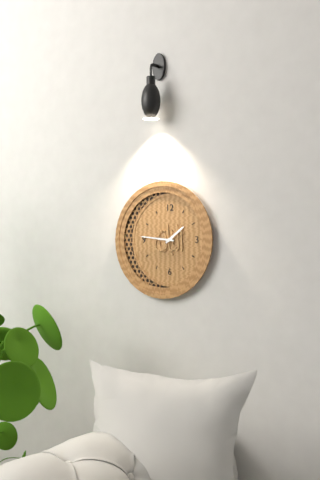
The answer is 1:46
